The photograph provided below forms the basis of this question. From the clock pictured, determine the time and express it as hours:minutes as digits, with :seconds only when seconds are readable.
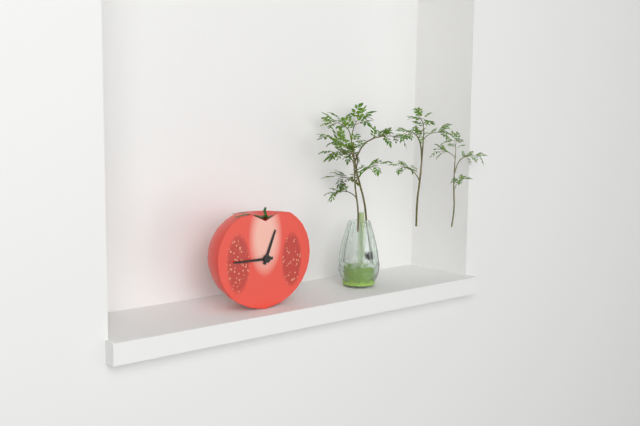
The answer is 12:45
